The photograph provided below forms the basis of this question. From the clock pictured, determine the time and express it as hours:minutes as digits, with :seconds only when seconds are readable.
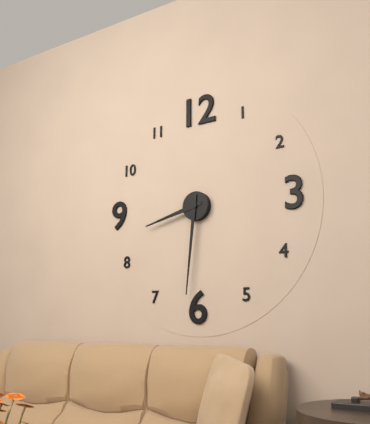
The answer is 8:31
